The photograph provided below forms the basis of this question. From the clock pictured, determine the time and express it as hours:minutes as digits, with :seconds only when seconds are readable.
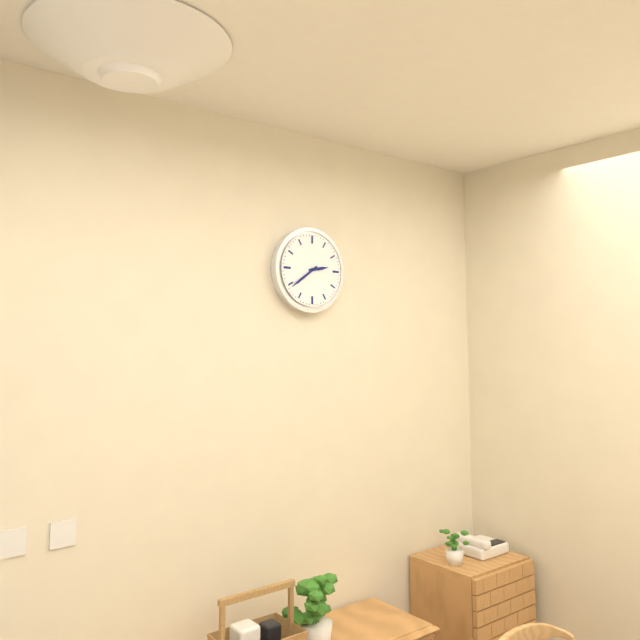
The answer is 2:39
